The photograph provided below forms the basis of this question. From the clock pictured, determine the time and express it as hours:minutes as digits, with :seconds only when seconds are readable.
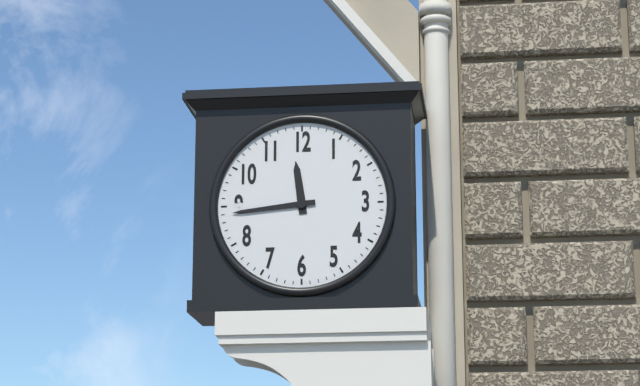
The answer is 11:44
